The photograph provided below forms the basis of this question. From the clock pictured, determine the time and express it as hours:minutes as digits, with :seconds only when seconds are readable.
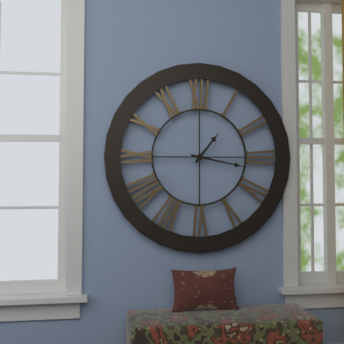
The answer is 1:17
